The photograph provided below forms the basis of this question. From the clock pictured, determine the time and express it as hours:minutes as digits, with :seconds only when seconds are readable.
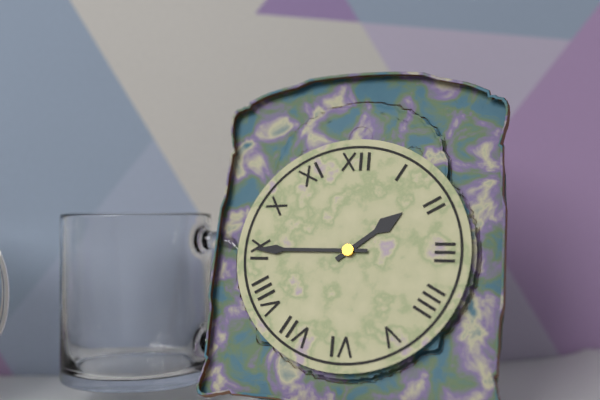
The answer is 1:45
